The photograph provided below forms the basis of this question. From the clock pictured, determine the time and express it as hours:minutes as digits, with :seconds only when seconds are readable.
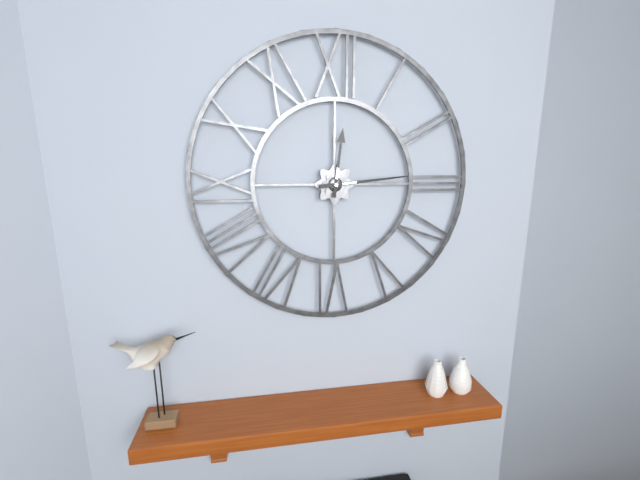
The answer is 12:14
